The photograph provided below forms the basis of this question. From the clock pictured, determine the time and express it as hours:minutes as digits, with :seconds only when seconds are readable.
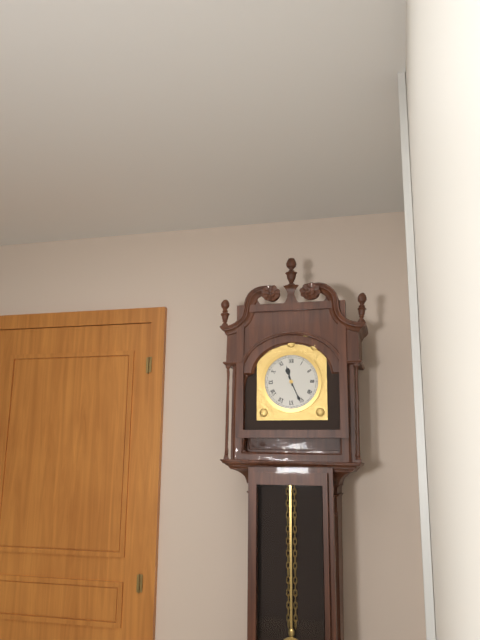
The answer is 11:26
